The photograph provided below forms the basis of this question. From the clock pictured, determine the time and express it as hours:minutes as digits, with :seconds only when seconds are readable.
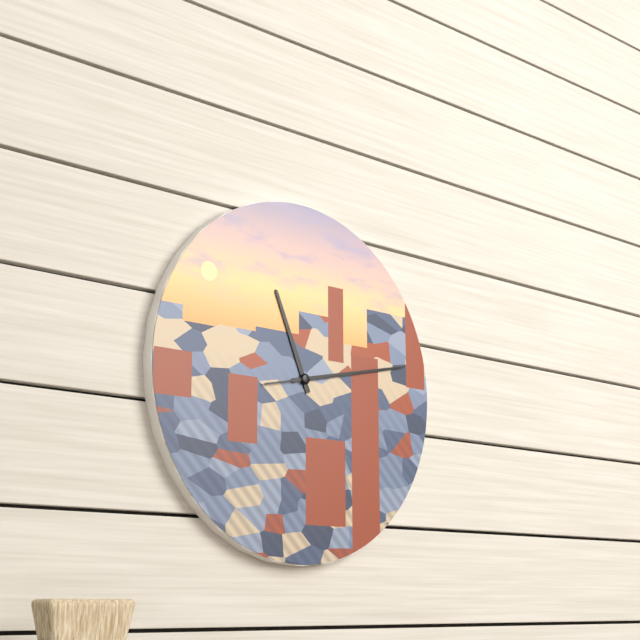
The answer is 11:13:13
